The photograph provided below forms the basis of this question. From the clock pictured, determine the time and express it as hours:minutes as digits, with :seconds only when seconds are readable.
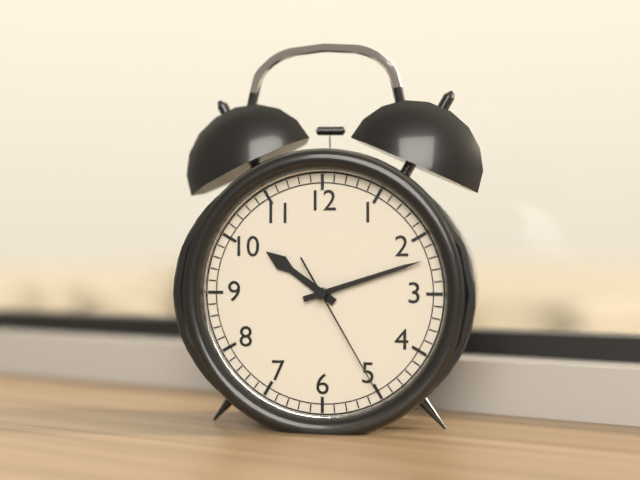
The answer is 10:12:25
